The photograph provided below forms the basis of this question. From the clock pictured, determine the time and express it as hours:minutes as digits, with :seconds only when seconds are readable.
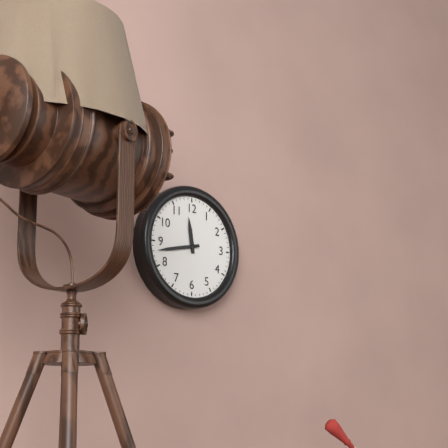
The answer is 11:43
